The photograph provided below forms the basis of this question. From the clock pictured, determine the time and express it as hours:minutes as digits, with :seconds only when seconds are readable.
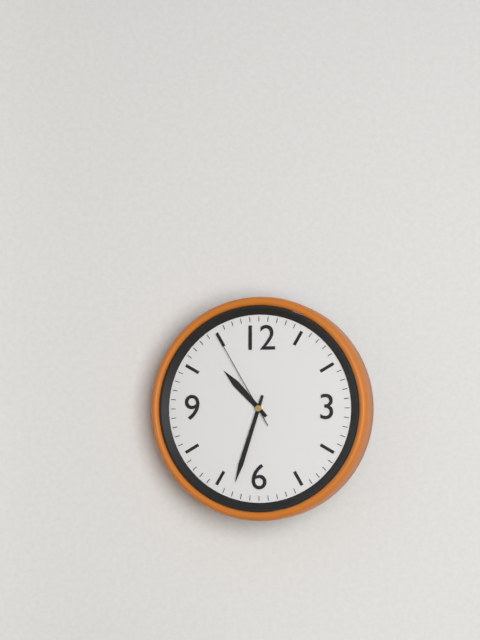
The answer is 10:33:55
